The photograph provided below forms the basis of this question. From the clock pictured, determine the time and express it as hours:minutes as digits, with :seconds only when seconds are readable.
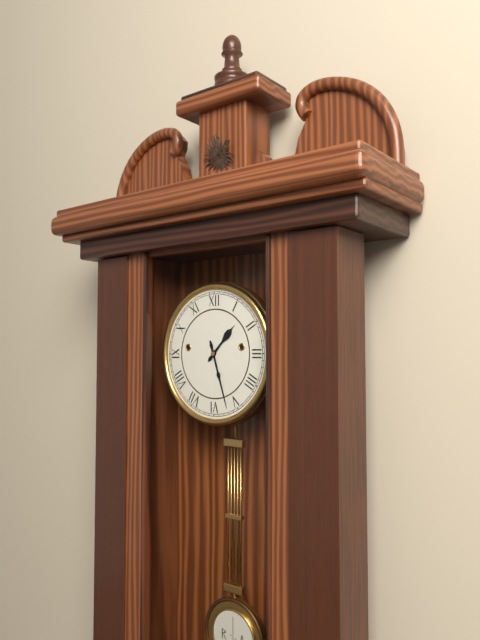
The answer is 1:27
